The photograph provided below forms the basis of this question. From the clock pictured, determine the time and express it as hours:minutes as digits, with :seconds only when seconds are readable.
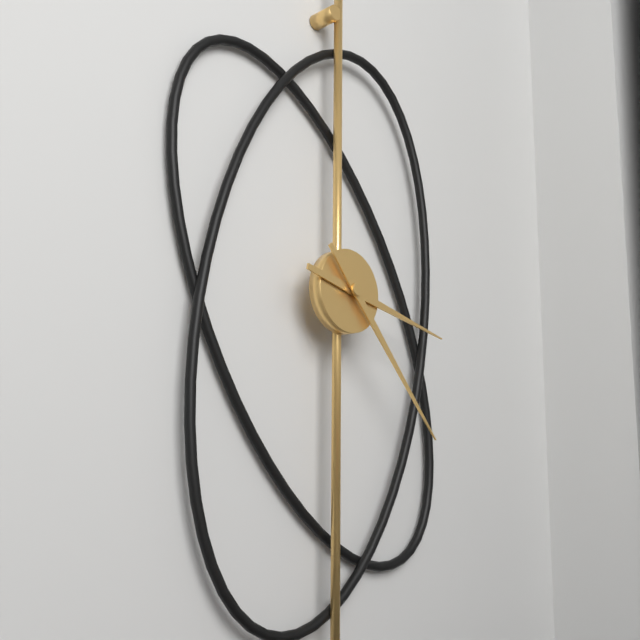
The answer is 3:23
